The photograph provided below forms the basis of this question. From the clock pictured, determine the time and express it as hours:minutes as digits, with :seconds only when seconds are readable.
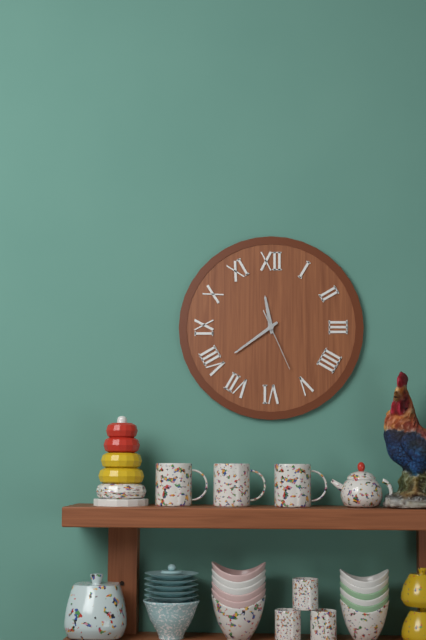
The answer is 11:39:26
